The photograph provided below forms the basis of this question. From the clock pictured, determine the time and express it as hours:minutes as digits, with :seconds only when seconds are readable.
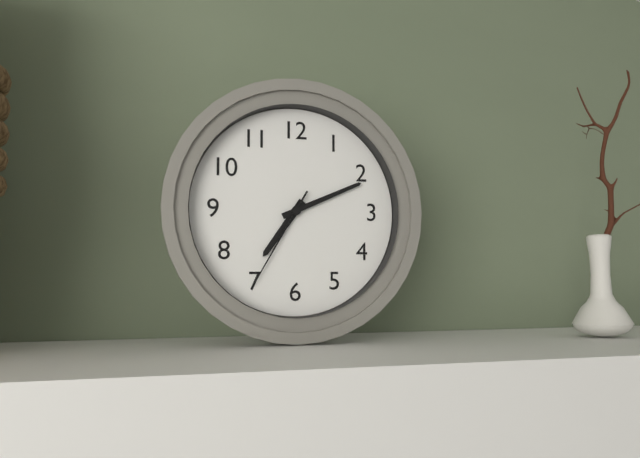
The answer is 7:11:35
